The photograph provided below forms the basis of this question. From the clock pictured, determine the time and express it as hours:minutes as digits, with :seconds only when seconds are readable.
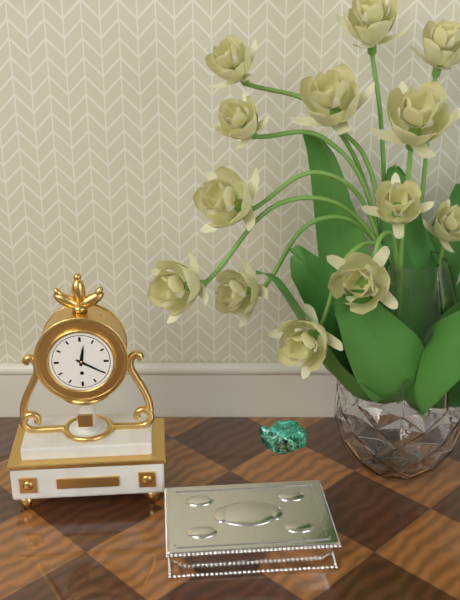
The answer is 12:20
